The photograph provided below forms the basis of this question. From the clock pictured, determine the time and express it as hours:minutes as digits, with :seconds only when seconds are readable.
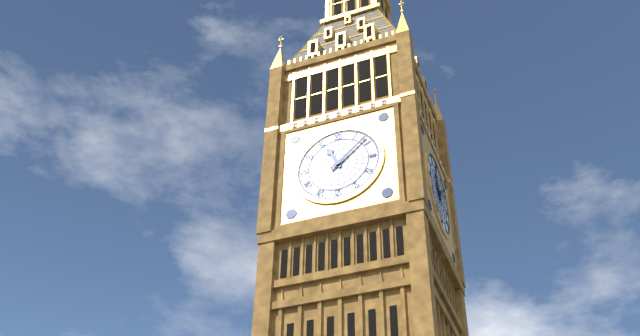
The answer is 11:08
